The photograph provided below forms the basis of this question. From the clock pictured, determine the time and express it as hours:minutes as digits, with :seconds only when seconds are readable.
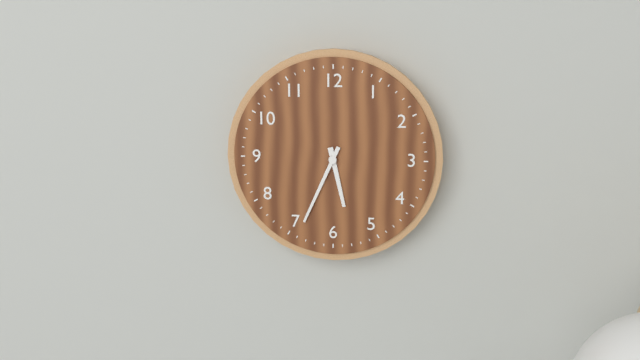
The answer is 5:34
